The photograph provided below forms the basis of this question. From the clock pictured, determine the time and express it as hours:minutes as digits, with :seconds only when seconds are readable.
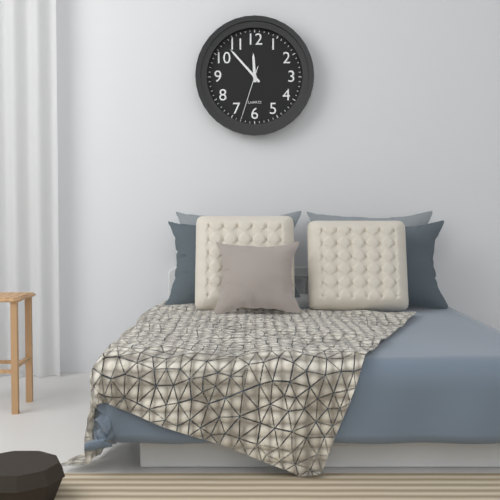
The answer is 11:53:33
